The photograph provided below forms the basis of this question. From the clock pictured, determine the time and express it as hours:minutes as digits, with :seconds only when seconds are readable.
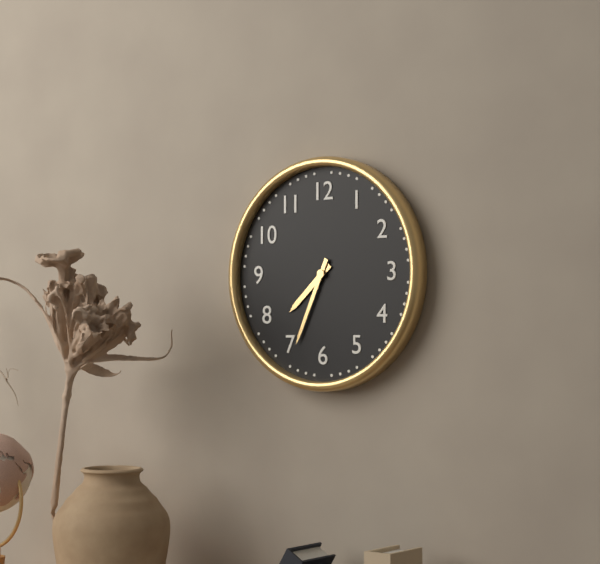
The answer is 7:34
